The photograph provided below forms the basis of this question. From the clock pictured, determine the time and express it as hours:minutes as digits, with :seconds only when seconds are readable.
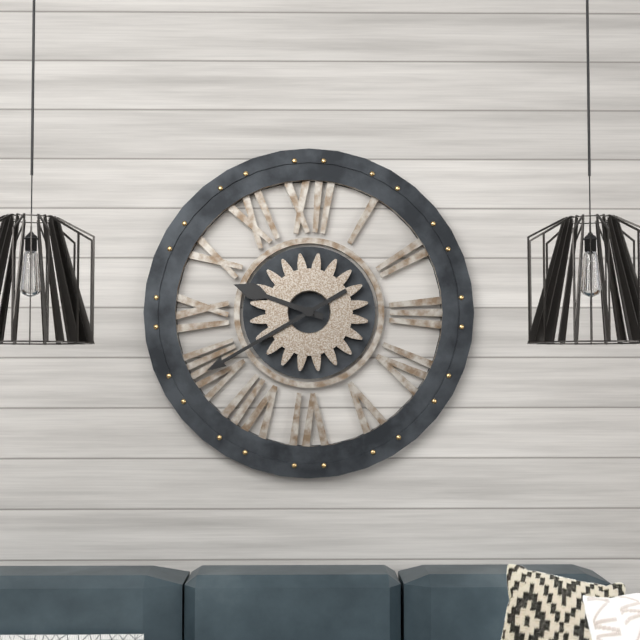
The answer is 9:40
